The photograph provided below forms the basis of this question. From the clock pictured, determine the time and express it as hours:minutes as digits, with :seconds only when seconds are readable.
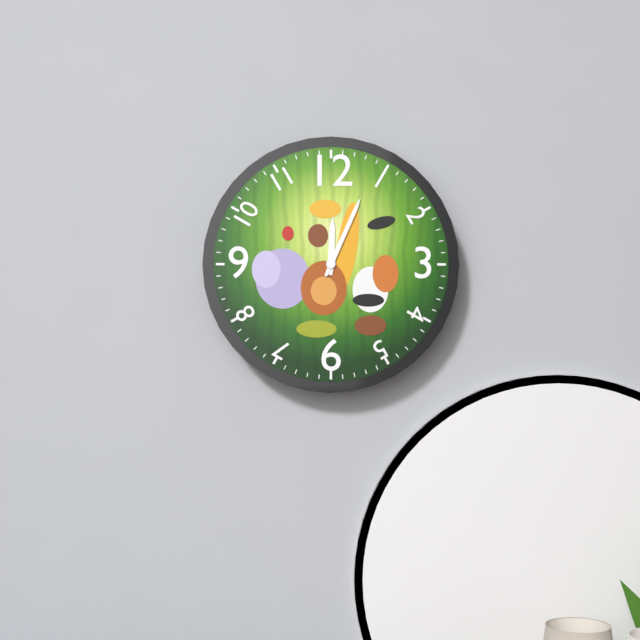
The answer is 12:04
